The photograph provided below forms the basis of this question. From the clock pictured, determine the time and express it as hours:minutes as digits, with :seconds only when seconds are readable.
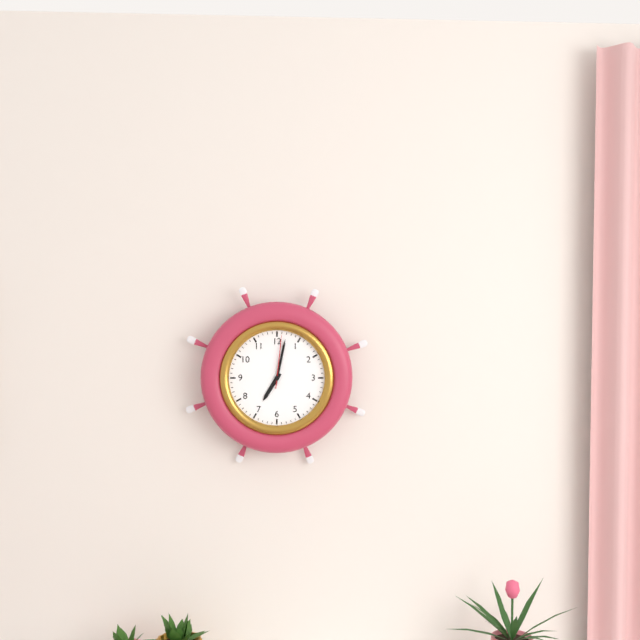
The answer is 7:02:01
